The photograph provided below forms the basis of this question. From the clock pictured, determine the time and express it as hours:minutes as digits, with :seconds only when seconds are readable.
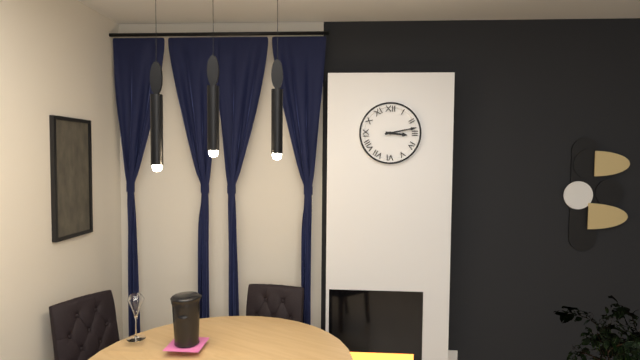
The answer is 3:13
